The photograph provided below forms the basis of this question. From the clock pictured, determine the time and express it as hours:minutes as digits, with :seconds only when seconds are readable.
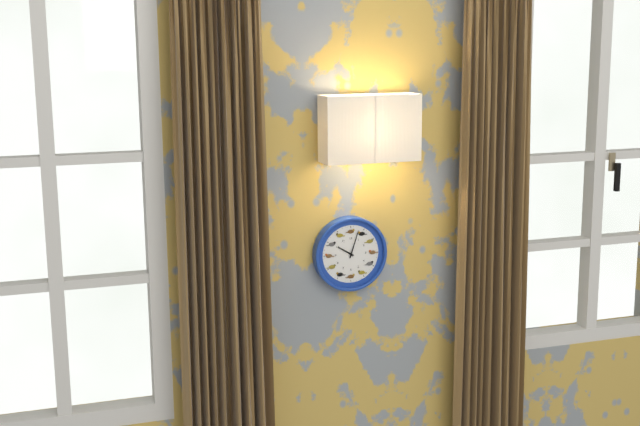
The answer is 10:03
